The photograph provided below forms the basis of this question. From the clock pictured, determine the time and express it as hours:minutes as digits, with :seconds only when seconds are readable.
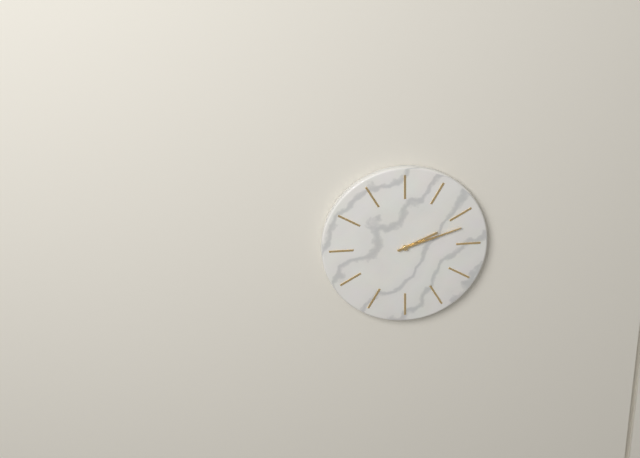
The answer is 2:12
